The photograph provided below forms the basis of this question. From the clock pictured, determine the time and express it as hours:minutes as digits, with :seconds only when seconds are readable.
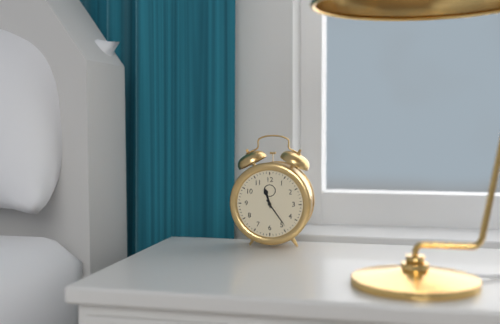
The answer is 11:24
